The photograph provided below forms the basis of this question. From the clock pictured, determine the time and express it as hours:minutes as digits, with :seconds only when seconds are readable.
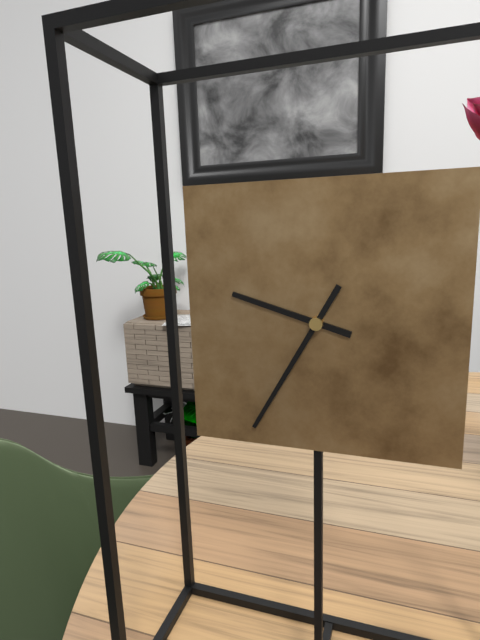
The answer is 9:35
